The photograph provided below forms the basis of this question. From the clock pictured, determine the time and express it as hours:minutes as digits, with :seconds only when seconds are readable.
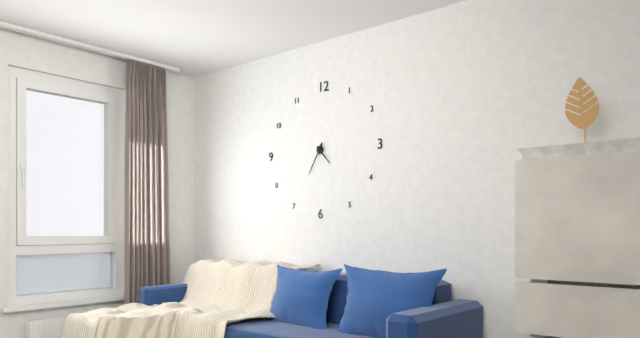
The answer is 4:35
